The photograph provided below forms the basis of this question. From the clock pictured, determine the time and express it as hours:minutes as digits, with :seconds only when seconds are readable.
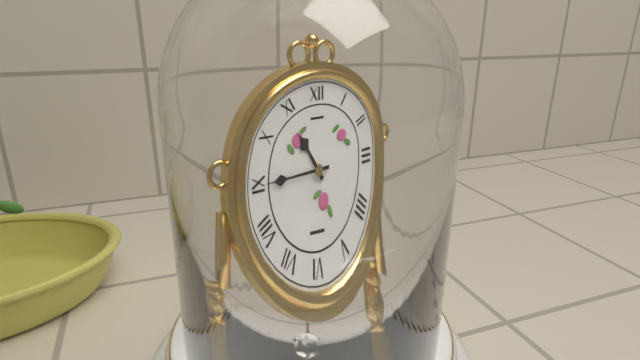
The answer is 10:45
